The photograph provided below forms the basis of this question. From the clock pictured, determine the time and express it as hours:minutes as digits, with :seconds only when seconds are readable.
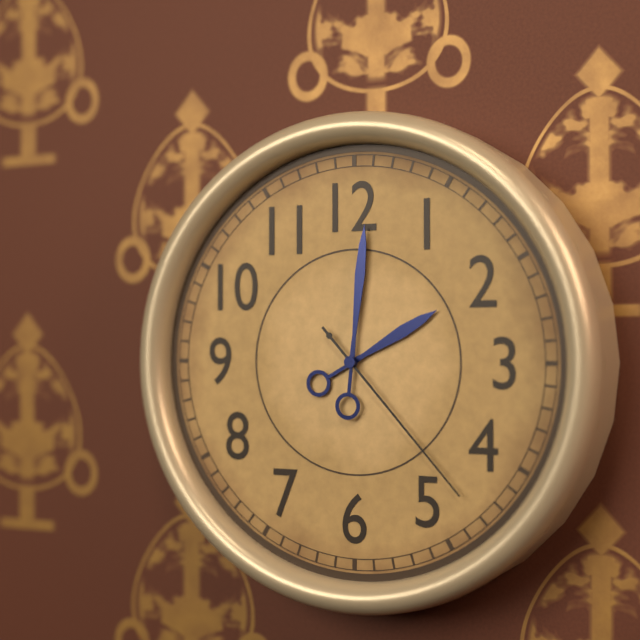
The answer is 2:01:23
